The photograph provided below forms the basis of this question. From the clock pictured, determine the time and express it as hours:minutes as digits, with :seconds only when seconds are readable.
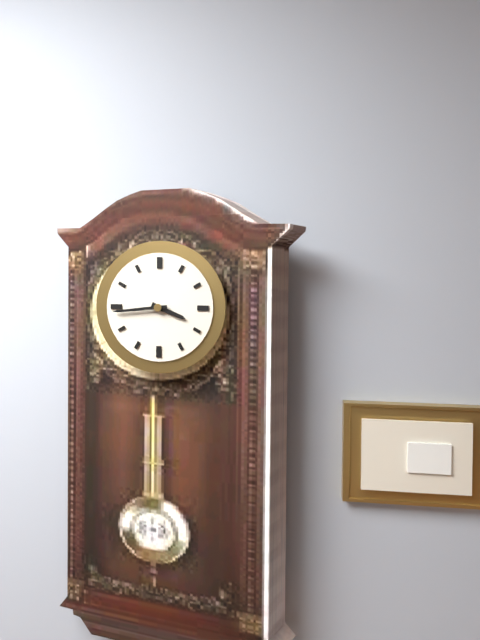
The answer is 3:44
